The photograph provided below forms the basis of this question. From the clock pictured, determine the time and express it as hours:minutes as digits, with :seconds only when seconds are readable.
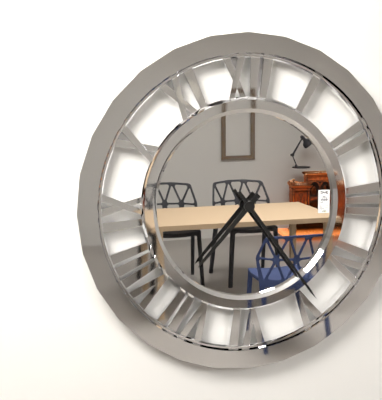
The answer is 7:24
